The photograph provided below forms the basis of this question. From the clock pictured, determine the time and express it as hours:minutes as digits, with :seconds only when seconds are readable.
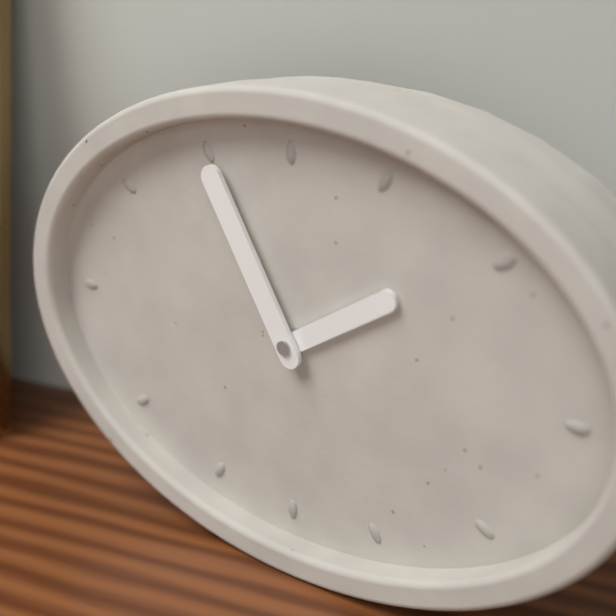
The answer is 1:55
